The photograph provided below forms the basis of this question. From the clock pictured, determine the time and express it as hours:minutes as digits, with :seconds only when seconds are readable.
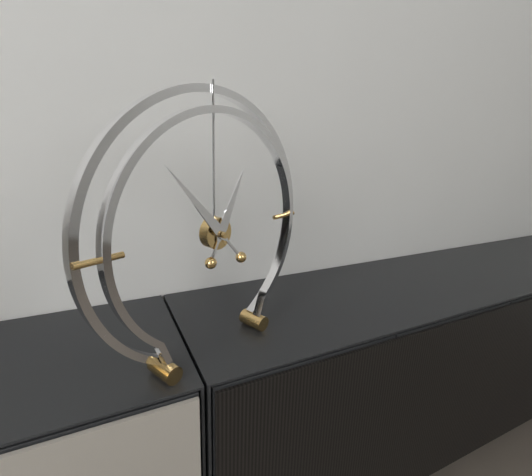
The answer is 12:53
